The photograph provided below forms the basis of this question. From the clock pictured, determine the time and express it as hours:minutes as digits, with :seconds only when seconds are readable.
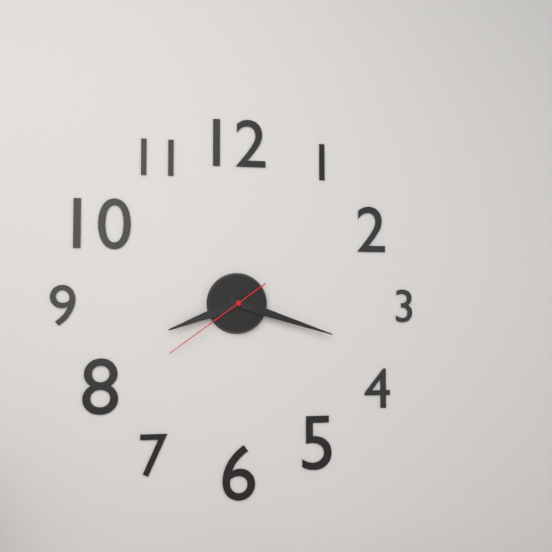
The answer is 8:18:39
